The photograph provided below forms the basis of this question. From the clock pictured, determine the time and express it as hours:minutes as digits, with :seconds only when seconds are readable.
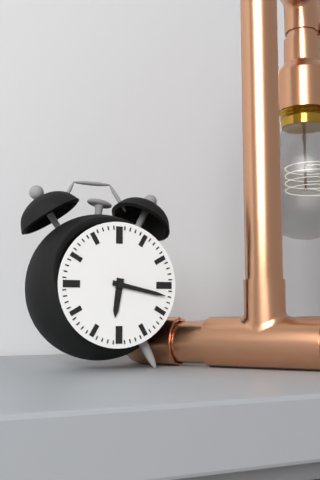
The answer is 6:17
